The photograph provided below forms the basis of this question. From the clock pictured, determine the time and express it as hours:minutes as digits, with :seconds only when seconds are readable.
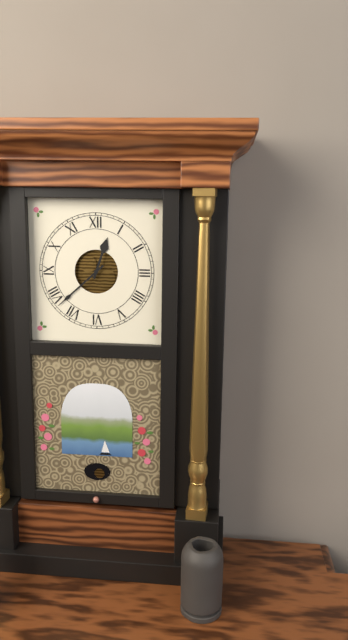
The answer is 12:38
